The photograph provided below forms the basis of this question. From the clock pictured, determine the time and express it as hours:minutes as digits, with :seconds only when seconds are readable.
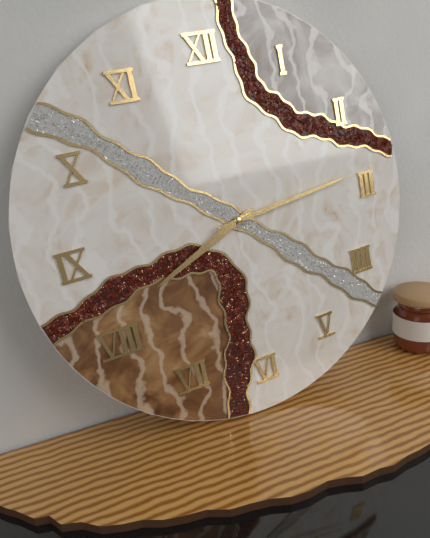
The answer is 8:14
